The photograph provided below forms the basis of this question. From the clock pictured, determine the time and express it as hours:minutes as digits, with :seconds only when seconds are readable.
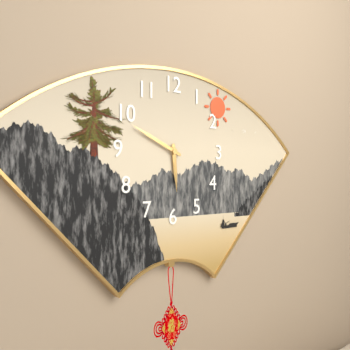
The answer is 5:49
